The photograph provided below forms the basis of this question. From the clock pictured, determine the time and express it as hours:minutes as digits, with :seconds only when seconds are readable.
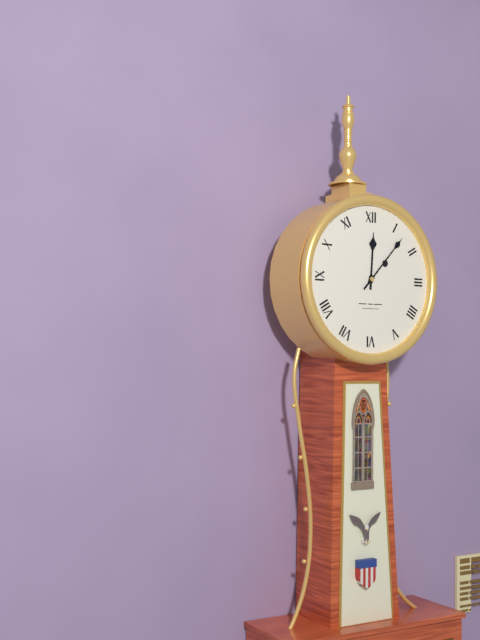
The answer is 12:07
